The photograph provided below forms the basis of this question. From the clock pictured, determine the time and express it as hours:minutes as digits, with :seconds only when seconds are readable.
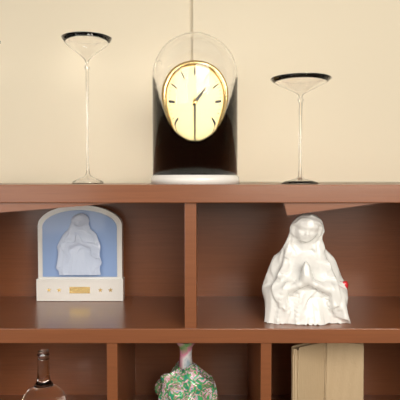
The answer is 1:30
